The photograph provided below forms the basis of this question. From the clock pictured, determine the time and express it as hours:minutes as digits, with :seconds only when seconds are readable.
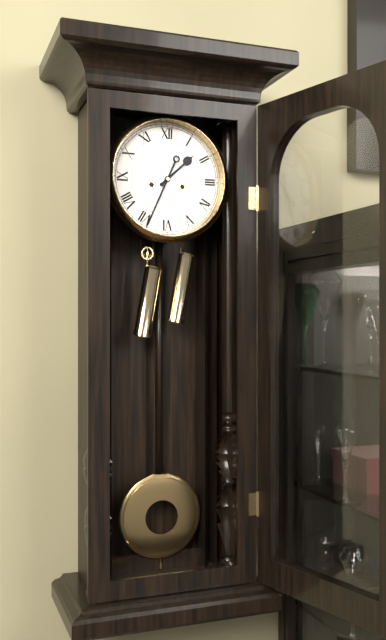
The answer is 1:34
